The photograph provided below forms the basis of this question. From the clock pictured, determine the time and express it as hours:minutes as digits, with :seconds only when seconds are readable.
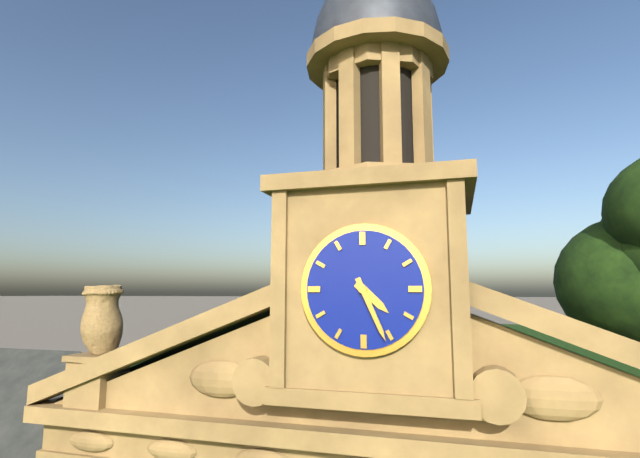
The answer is 4:26
